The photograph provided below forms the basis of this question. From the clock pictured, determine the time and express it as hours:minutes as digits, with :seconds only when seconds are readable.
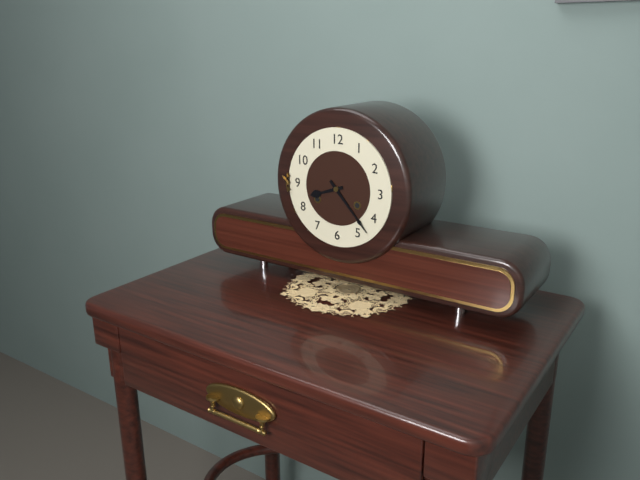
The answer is 8:23
